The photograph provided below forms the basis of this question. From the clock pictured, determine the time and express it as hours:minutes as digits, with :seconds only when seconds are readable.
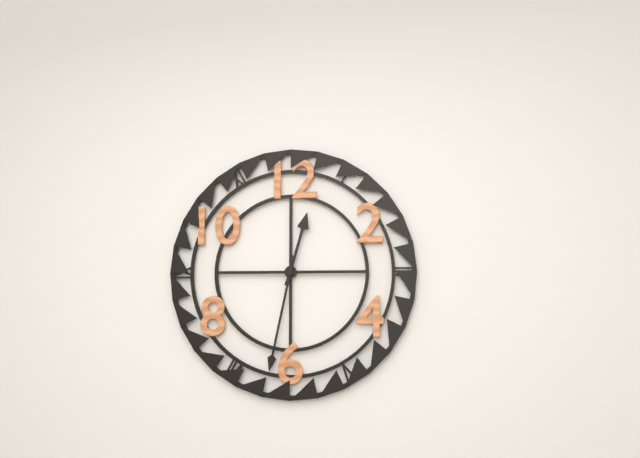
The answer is 12:32
